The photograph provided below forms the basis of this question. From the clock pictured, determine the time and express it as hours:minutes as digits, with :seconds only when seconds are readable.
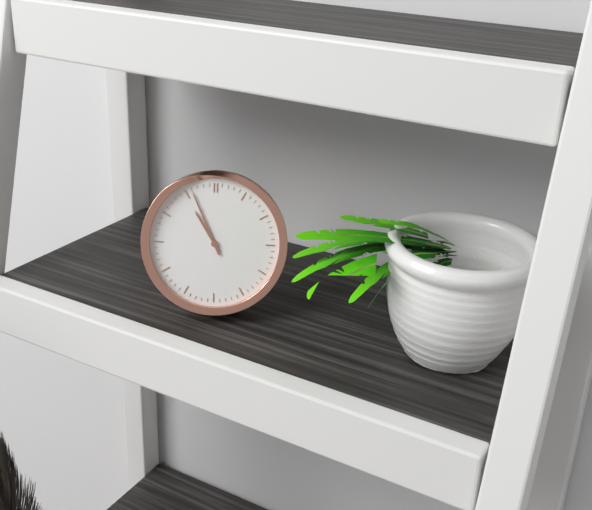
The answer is 10:56
